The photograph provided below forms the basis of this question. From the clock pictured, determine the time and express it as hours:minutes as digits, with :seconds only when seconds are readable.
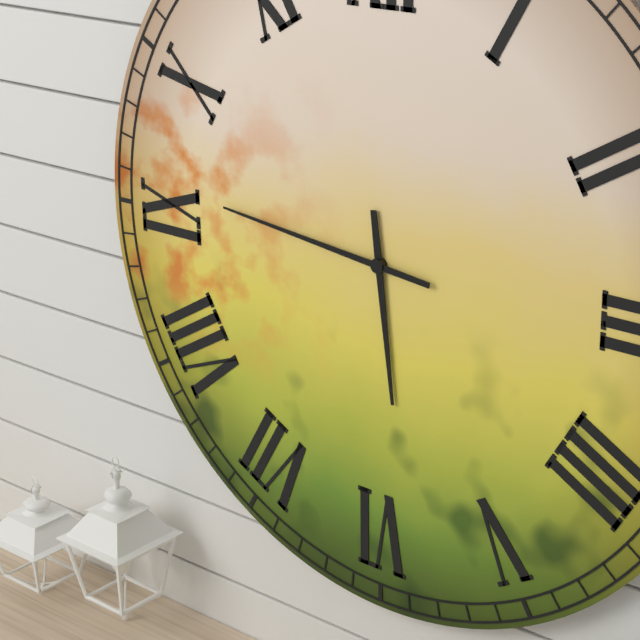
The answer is 5:46
